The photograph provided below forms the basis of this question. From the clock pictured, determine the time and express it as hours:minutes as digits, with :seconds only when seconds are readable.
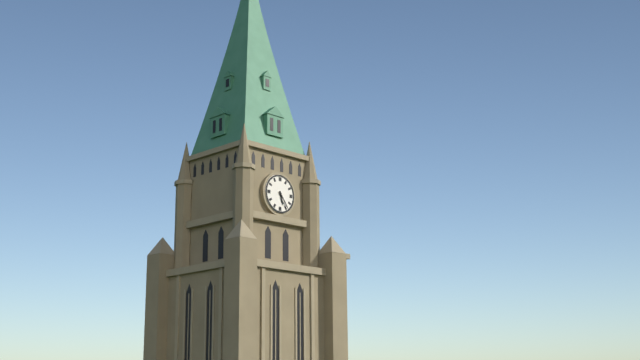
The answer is 5:24
